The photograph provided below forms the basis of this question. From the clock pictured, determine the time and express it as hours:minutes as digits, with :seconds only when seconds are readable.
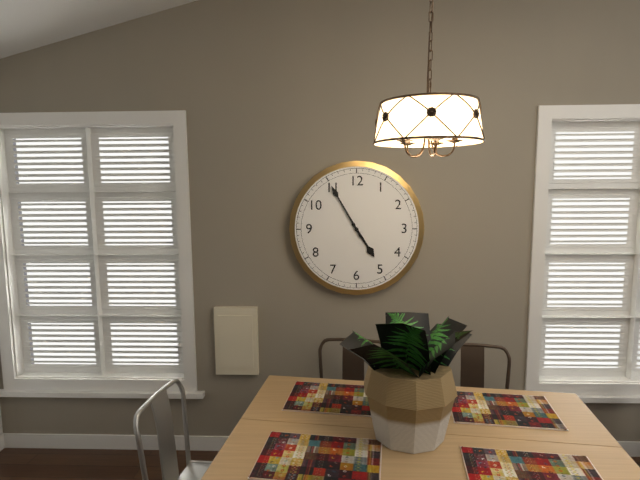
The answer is 4:55
